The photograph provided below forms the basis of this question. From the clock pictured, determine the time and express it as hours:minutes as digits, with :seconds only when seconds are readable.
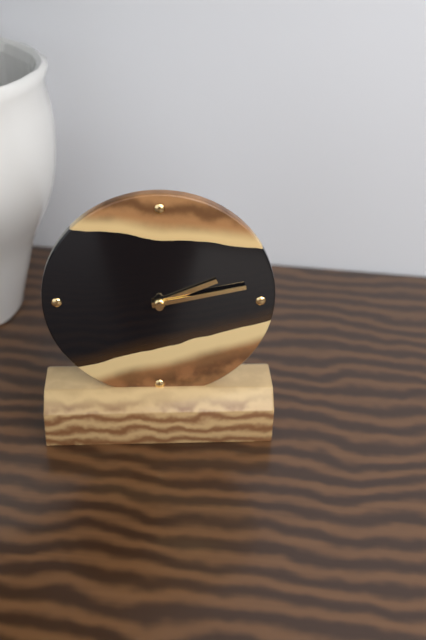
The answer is 2:13
